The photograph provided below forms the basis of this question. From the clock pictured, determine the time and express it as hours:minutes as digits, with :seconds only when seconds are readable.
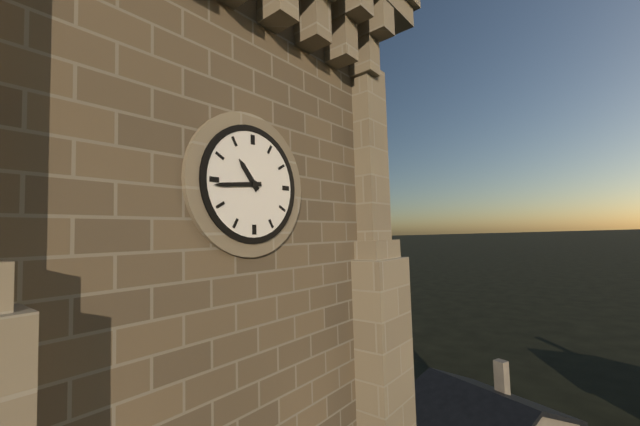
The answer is 10:44
